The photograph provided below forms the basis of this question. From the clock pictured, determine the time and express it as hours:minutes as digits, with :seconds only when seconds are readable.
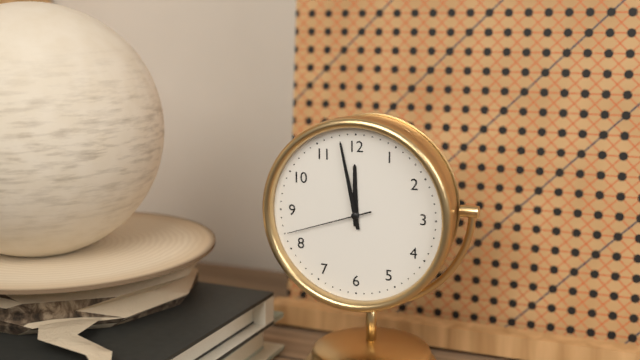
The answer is 11:58:42
